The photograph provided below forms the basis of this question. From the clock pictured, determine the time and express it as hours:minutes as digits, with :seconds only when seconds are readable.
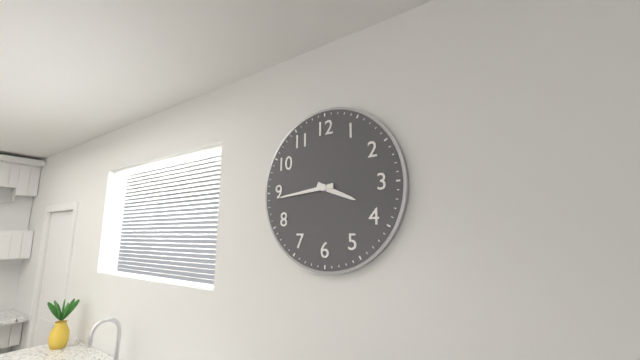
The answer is 3:44
